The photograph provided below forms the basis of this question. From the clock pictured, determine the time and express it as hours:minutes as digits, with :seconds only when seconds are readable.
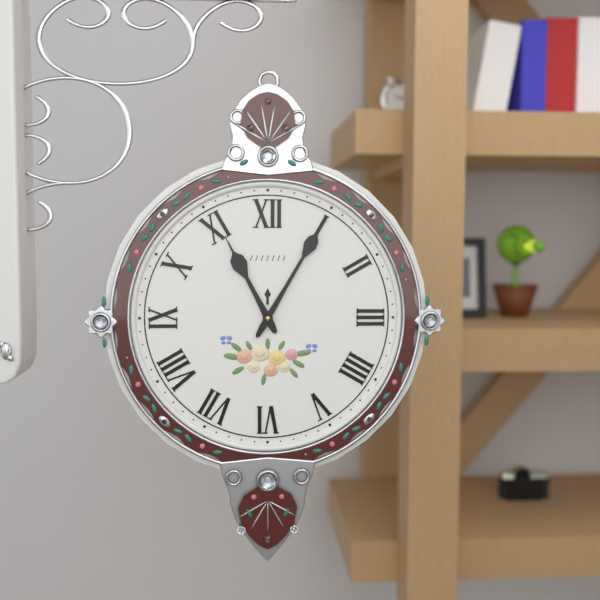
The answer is 11:05
